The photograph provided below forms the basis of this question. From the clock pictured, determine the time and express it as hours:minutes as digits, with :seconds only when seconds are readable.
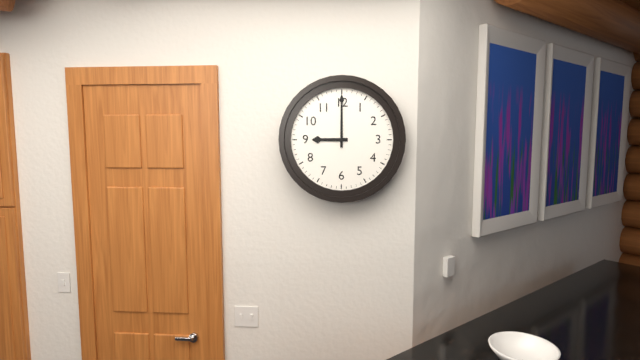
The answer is 9:00
